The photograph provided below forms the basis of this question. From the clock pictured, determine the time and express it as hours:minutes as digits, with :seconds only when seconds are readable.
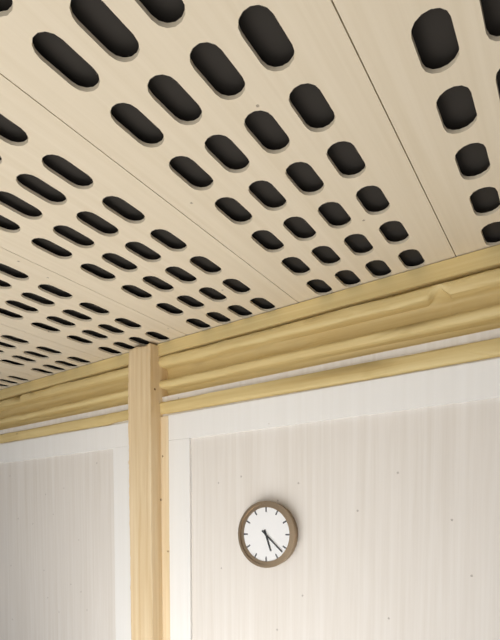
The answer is 5:22
